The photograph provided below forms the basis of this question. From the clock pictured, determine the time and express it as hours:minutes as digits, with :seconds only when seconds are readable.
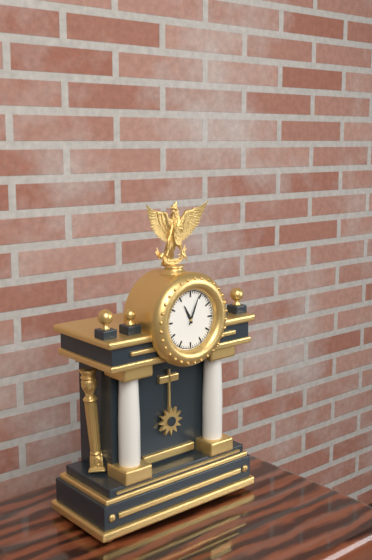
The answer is 11:04
